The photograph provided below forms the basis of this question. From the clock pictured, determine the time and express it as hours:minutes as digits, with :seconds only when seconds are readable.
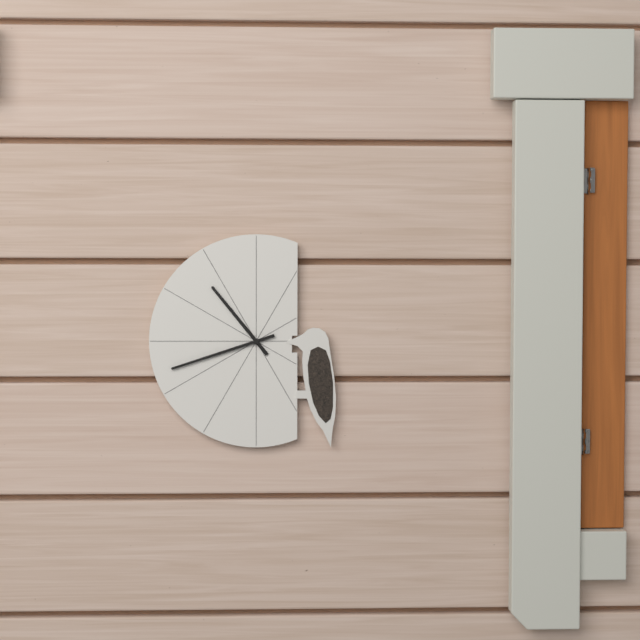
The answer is 10:42
